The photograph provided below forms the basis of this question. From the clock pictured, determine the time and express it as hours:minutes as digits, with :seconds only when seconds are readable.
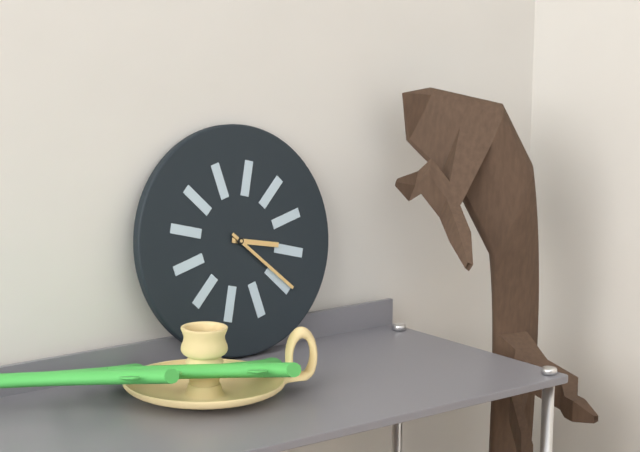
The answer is 3:22
